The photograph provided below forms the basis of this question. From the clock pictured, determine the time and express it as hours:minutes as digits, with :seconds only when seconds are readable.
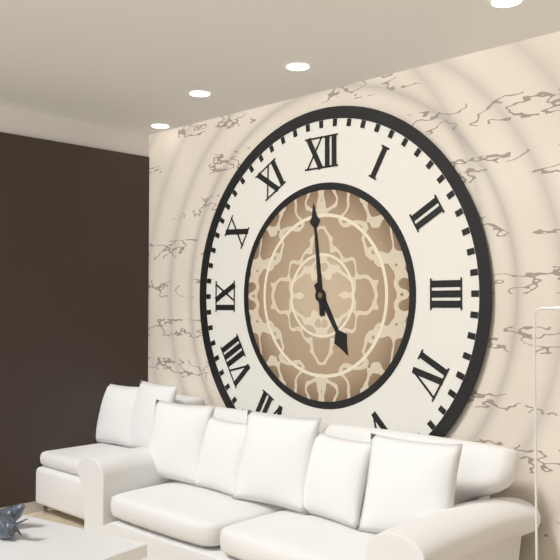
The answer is 4:59
